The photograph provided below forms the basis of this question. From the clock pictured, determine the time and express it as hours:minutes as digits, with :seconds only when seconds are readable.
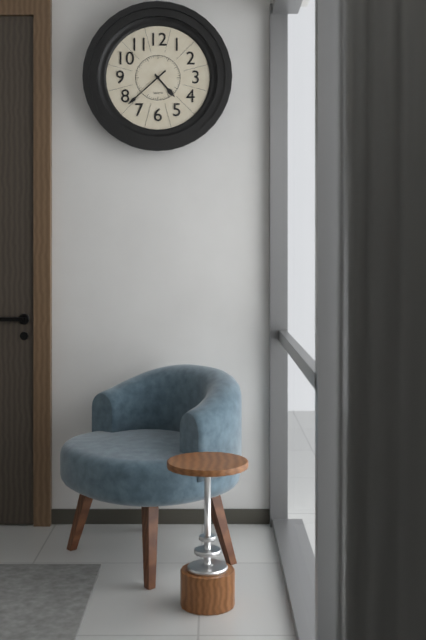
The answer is 4:38
